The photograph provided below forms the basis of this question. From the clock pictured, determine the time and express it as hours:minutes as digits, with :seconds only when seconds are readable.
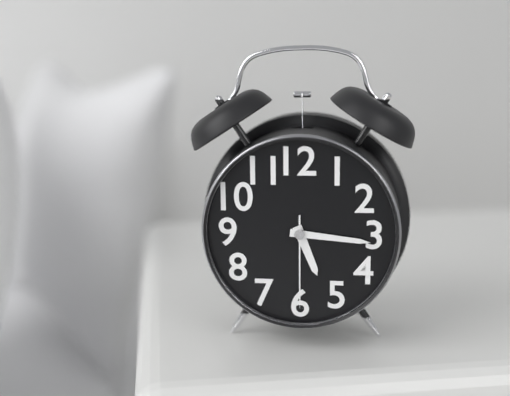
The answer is 5:16:30
